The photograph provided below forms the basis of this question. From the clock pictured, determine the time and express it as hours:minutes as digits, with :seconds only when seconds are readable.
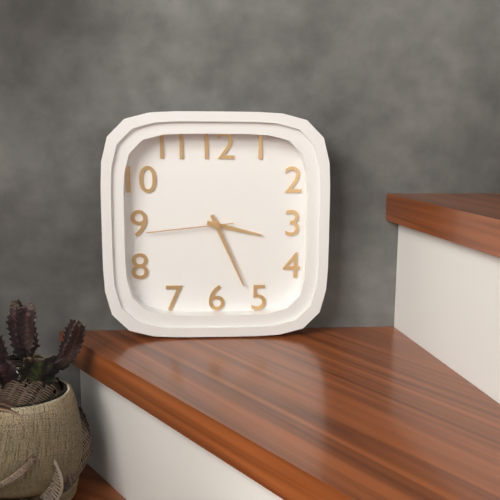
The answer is 3:26:44
